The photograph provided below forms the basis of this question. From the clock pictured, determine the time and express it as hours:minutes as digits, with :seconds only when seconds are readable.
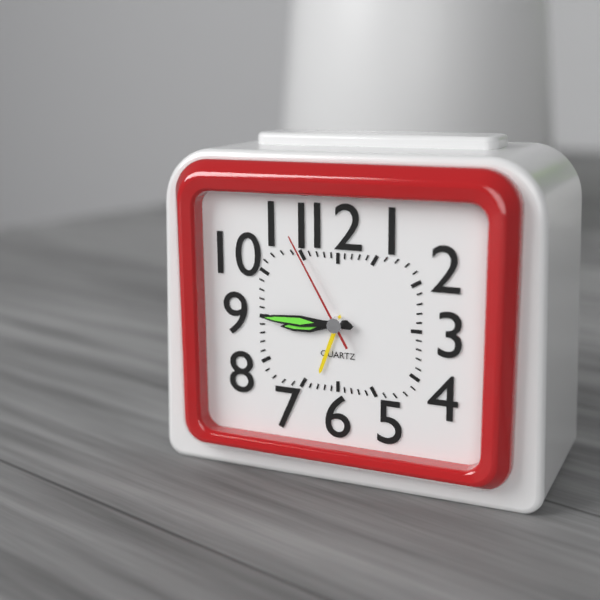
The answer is 8:45:55
